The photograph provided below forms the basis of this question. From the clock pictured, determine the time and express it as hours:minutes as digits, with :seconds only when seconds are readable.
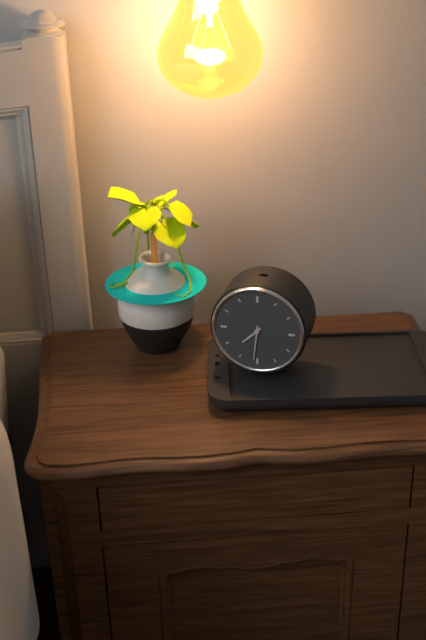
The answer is 7:31
